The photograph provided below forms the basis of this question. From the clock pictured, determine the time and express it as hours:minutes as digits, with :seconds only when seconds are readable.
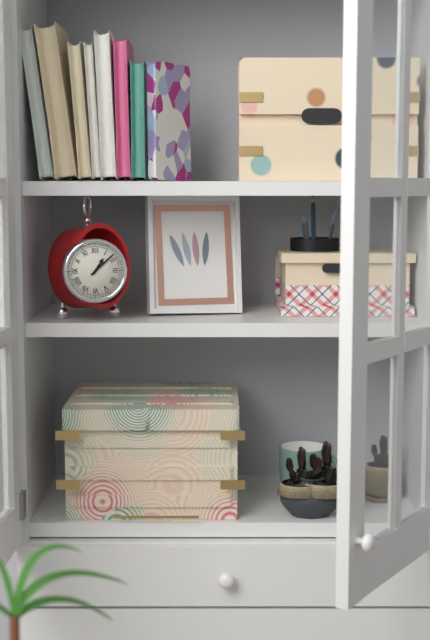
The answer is 1:08
